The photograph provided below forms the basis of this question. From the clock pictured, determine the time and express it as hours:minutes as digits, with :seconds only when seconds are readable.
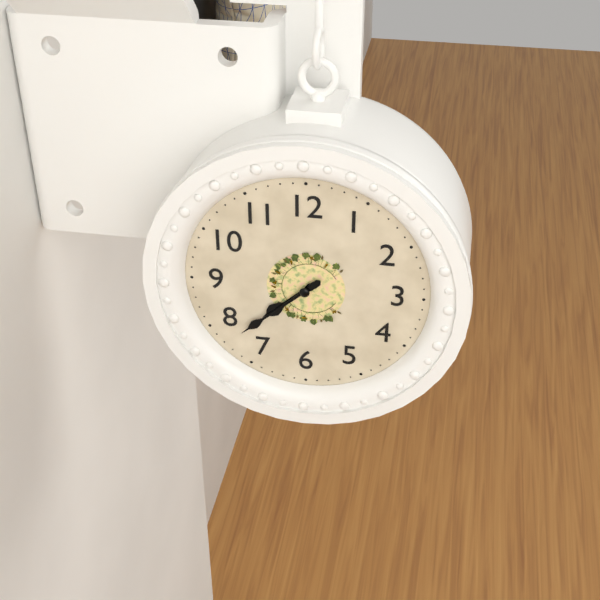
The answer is 7:38
